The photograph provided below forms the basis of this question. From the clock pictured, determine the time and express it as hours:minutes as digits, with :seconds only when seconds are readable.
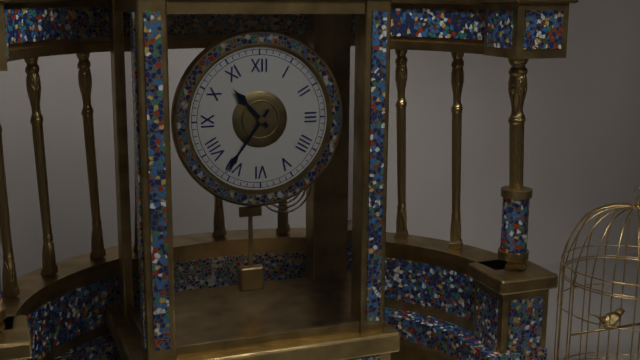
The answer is 10:36
